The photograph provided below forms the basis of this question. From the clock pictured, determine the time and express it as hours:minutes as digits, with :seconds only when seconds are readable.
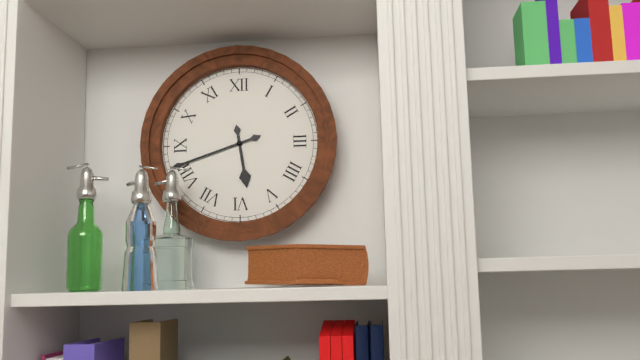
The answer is 5:42
